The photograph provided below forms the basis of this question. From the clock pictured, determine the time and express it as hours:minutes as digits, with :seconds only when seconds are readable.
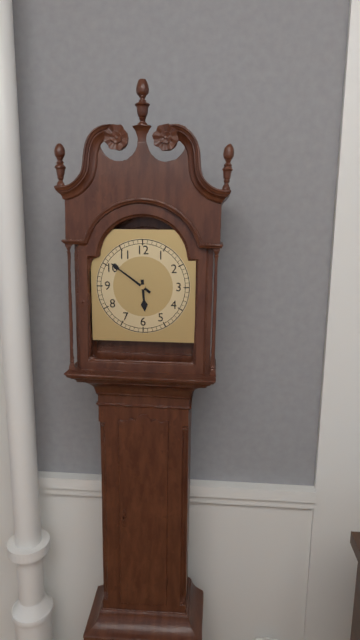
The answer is 5:51
